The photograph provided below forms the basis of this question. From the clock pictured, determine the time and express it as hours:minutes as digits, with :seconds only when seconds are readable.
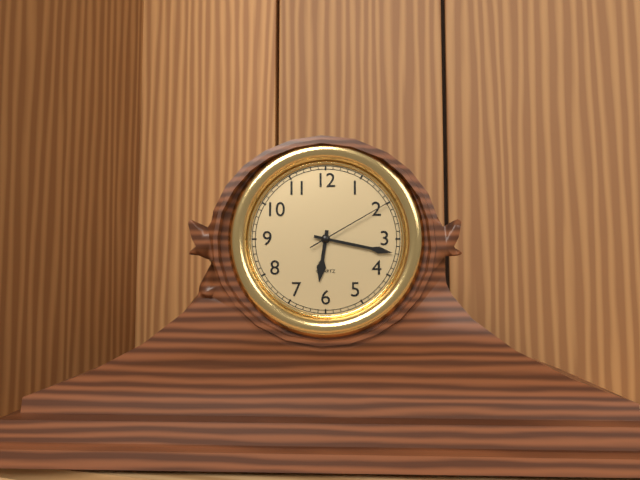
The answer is 6:17:10
